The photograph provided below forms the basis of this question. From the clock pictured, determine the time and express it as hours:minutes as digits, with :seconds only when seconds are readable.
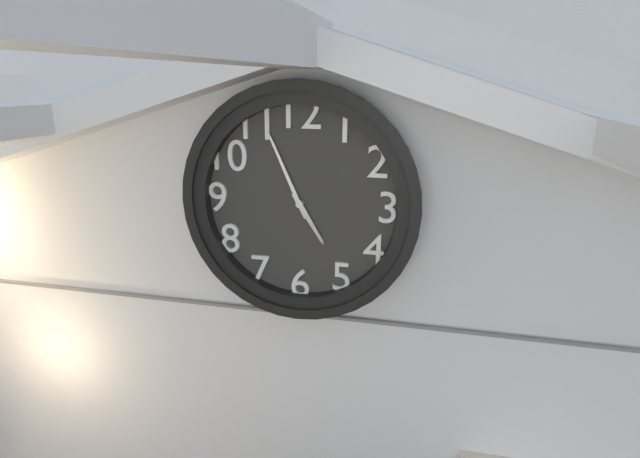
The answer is 4:56
